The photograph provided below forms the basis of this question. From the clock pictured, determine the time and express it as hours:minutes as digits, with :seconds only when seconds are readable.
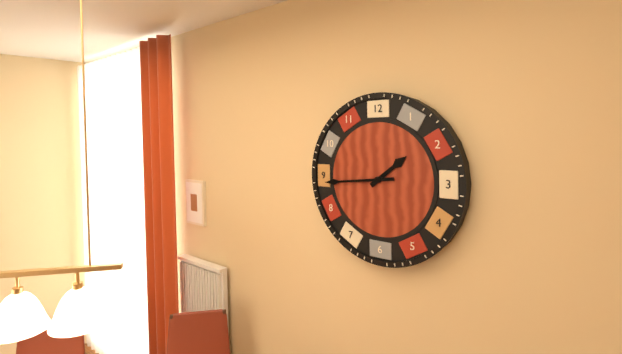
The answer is 1:44
